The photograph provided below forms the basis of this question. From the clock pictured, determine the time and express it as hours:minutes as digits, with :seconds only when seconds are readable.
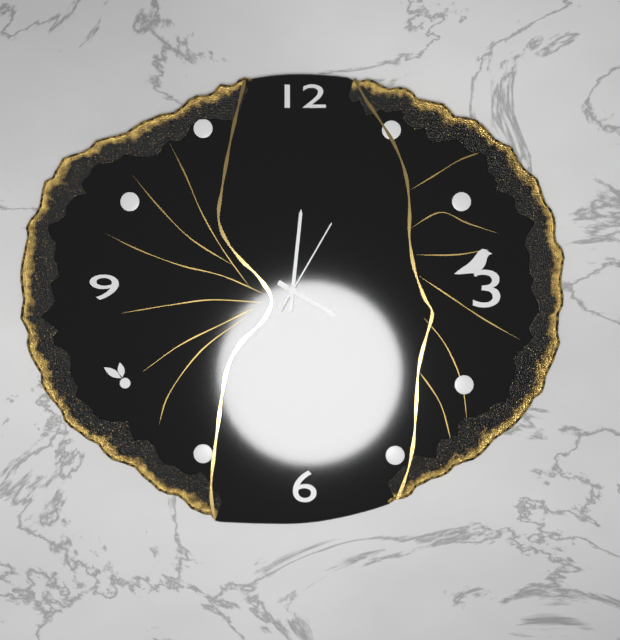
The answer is 4:01:05
